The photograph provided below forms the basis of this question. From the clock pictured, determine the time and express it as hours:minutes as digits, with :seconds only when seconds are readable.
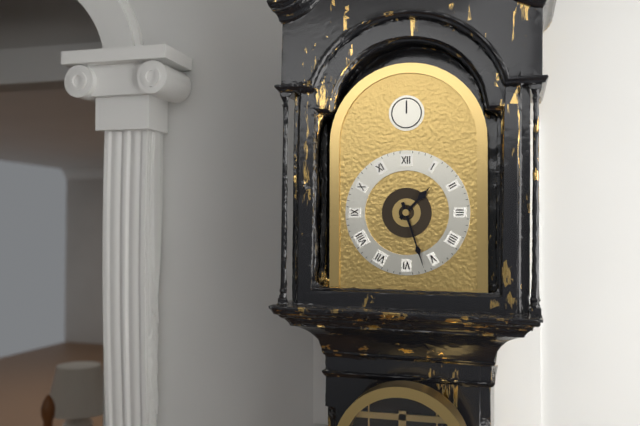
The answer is 1:27
